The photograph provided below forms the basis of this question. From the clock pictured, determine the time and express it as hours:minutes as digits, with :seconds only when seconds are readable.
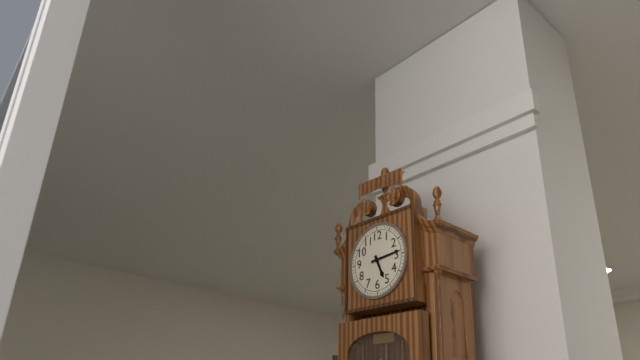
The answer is 5:14
